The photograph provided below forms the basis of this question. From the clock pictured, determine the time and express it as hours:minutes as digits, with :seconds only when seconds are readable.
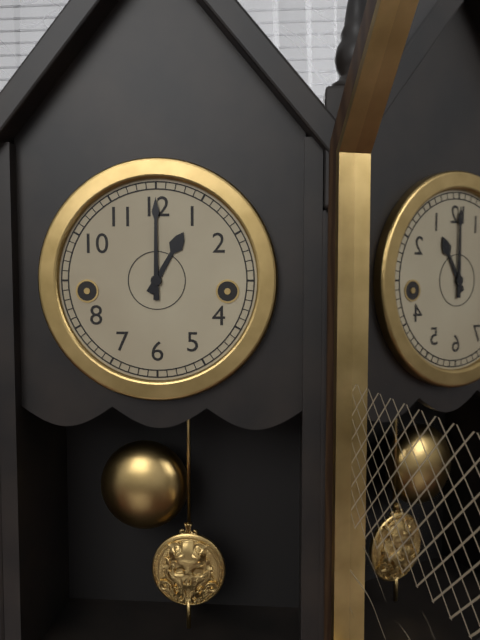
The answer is 1:00
